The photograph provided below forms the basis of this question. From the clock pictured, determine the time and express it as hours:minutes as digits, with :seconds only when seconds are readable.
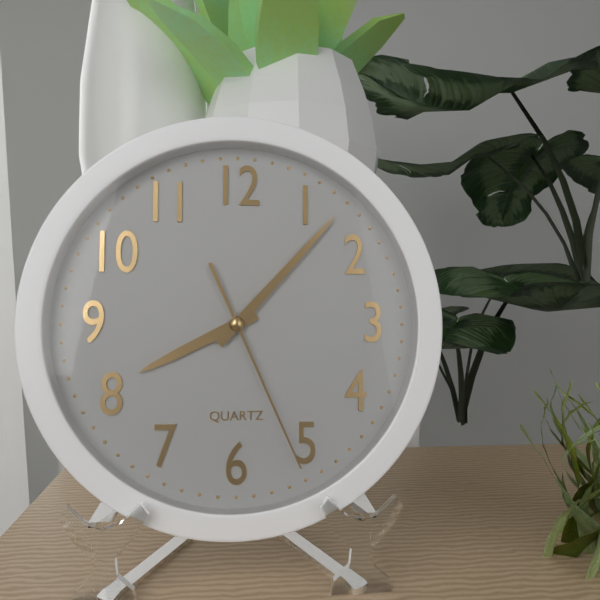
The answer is 8:07:26
